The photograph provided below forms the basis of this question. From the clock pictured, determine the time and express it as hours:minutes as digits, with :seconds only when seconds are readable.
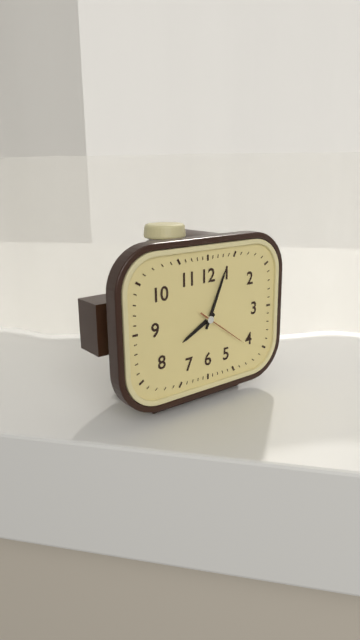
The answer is 8:04:21
